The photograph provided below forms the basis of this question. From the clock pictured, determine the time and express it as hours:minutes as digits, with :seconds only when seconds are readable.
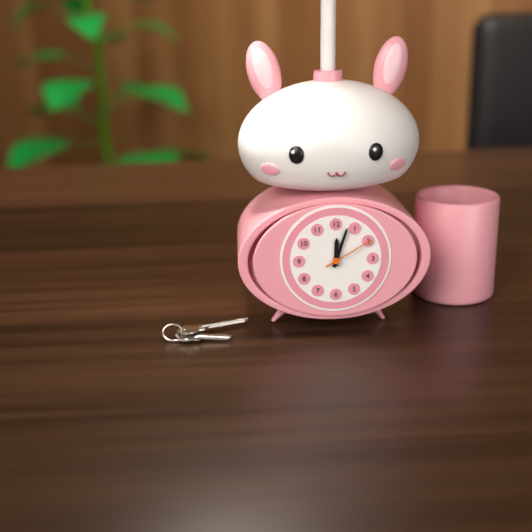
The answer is 12:03:10
